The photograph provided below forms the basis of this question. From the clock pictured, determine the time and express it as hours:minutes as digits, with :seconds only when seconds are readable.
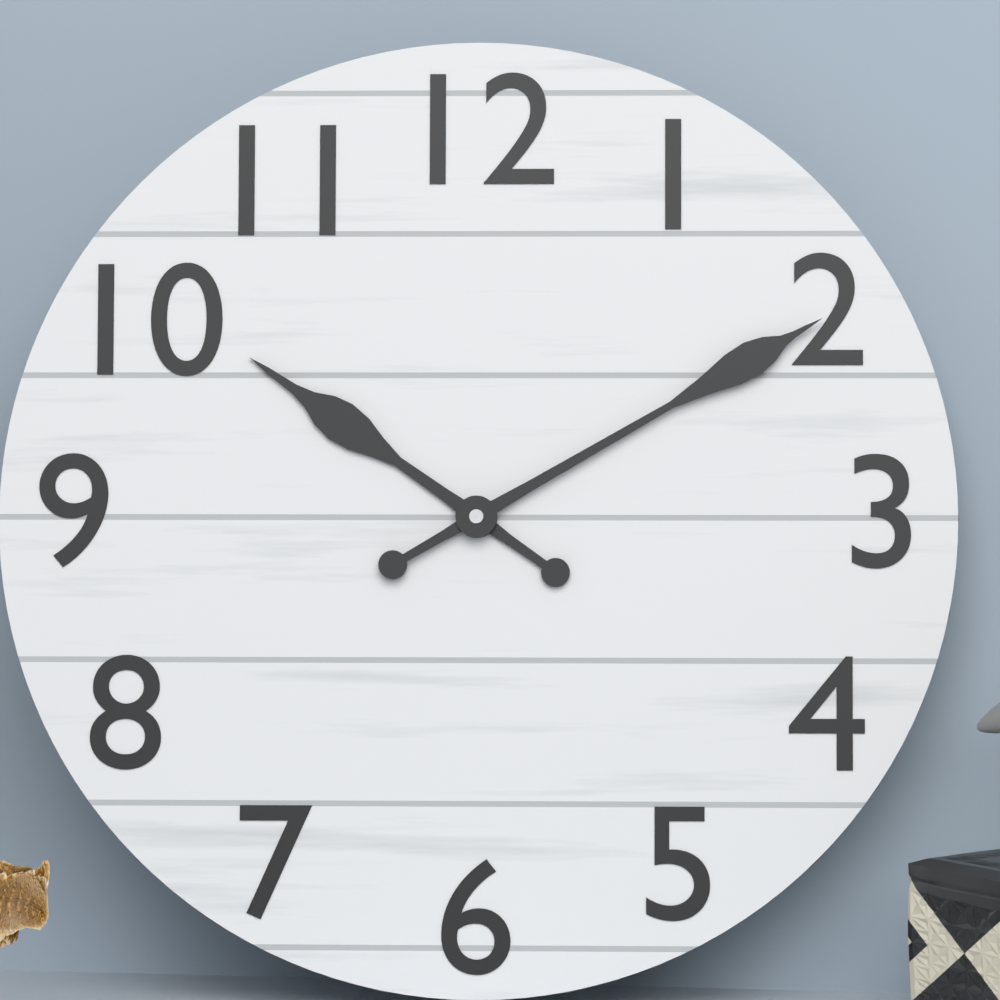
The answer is 10:10
